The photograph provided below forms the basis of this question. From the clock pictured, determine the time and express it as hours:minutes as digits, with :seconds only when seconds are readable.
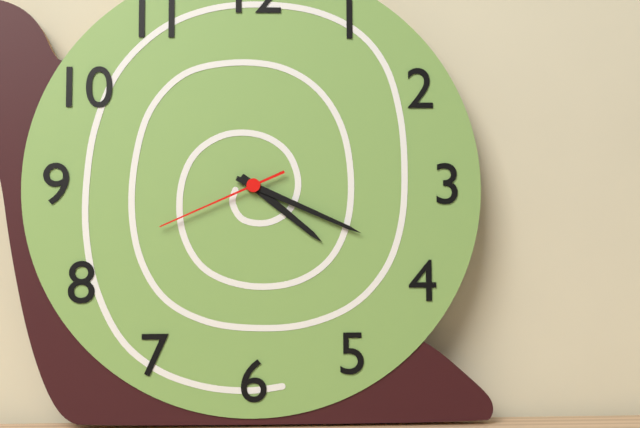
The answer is 4:19:41
